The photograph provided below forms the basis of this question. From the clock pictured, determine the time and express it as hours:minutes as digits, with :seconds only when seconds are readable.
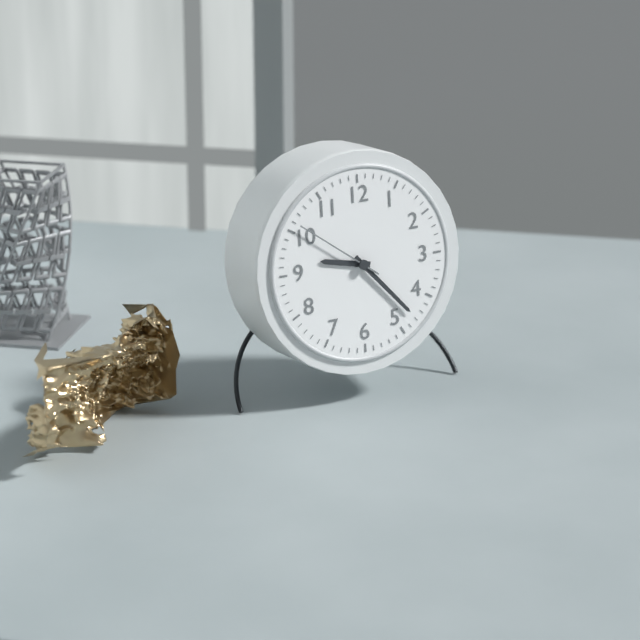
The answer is 9:23:51
